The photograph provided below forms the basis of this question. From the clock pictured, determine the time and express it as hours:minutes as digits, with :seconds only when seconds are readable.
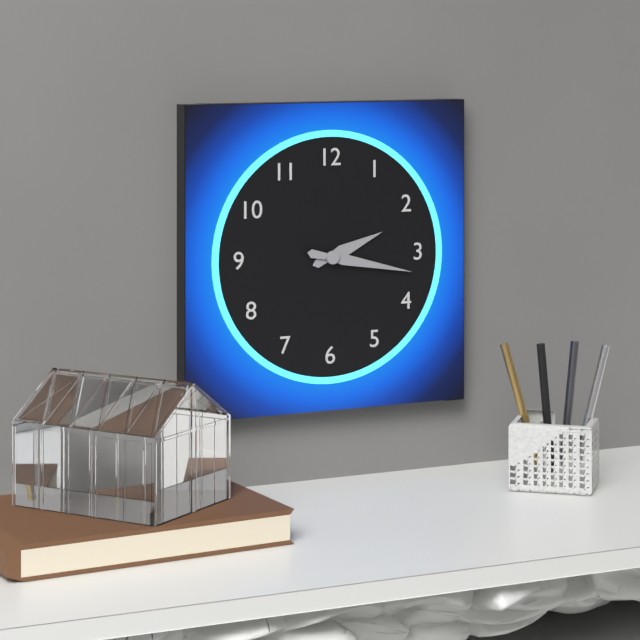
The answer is 2:17
